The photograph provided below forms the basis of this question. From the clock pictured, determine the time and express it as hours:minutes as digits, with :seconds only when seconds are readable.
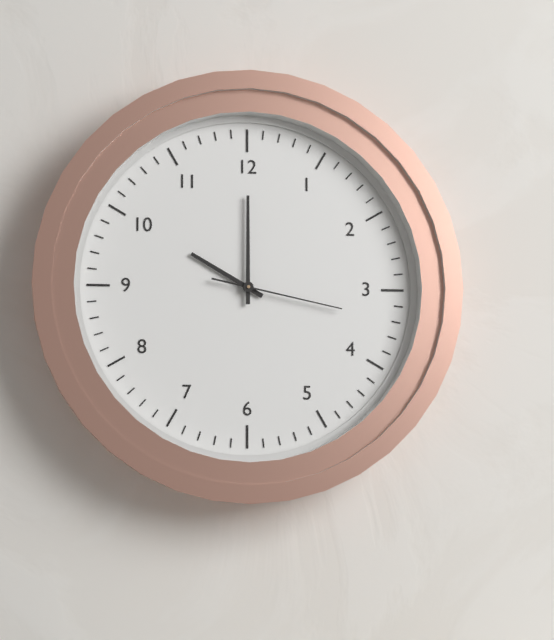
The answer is 10:00:17
